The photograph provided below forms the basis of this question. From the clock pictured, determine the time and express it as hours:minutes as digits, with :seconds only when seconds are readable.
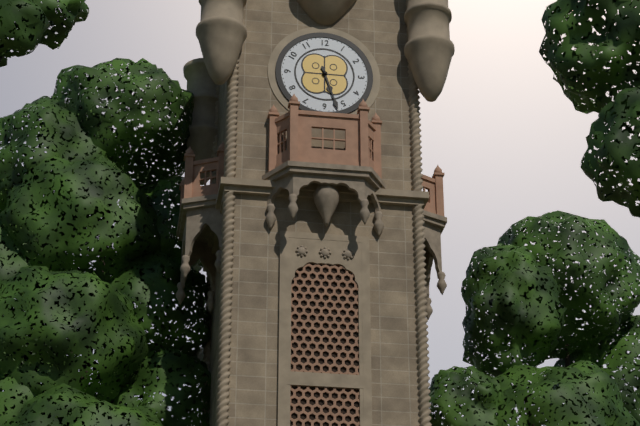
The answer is 5:27
